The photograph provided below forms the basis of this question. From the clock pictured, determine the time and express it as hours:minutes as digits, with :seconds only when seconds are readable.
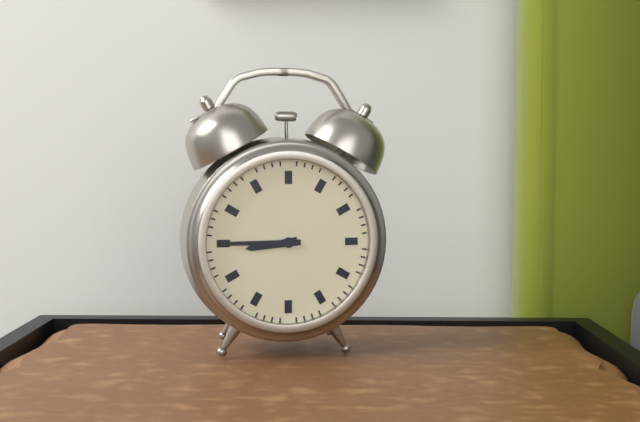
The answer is 8:45
